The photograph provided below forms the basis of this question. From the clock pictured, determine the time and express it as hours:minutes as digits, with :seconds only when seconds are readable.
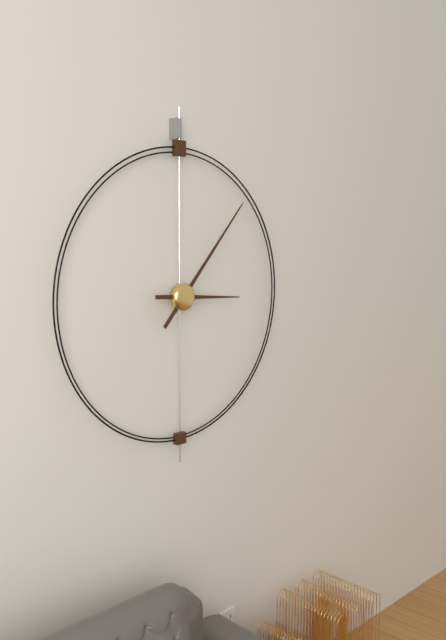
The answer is 3:07
